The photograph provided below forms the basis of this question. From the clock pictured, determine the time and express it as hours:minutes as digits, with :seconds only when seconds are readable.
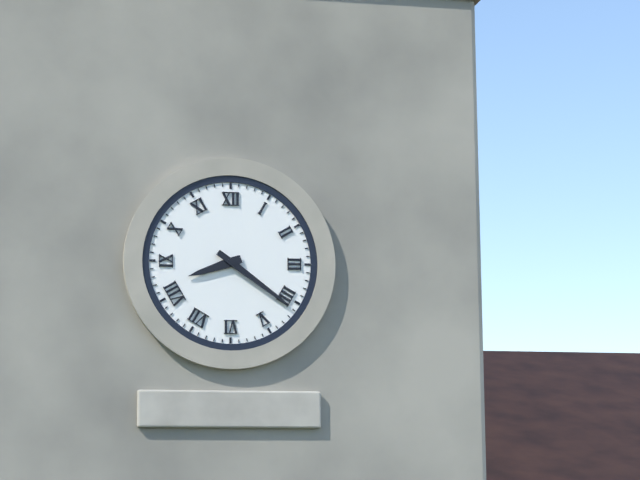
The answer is 8:21
